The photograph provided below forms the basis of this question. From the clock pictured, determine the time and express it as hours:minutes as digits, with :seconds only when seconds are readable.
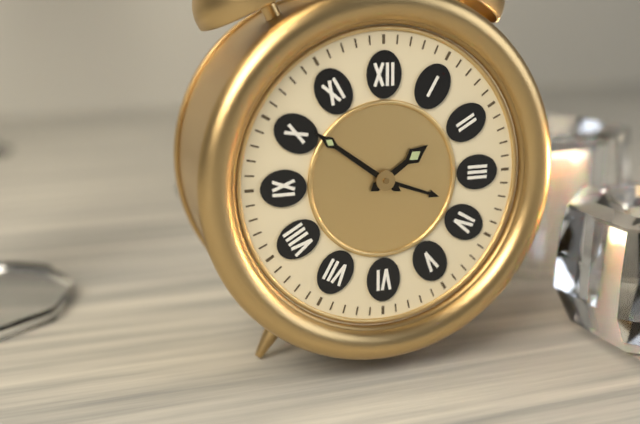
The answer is 1:51
